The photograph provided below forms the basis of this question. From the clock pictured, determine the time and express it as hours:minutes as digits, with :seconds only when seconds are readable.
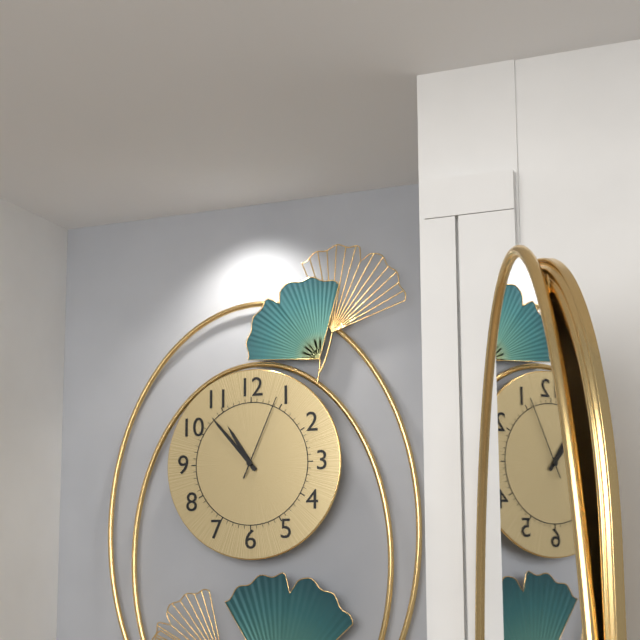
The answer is 10:53:04
